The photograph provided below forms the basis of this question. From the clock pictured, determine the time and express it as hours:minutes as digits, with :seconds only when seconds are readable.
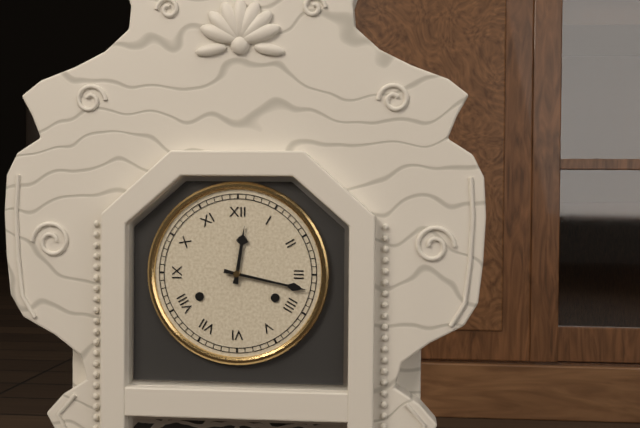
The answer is 12:17
